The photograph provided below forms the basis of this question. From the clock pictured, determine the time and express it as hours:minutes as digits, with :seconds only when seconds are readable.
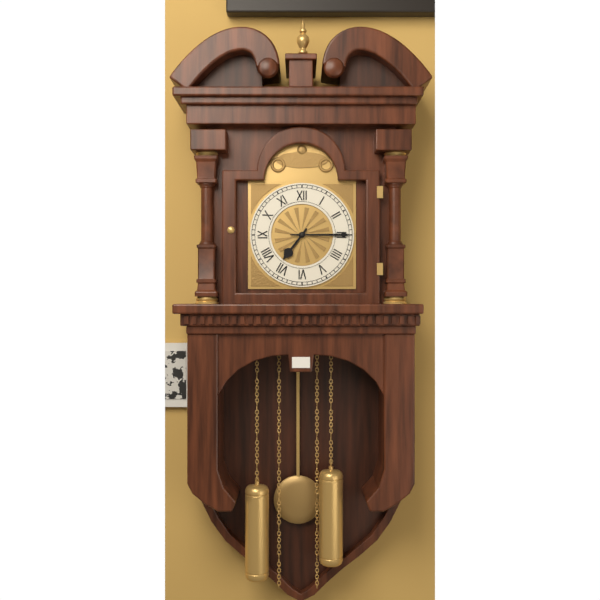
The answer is 7:15
